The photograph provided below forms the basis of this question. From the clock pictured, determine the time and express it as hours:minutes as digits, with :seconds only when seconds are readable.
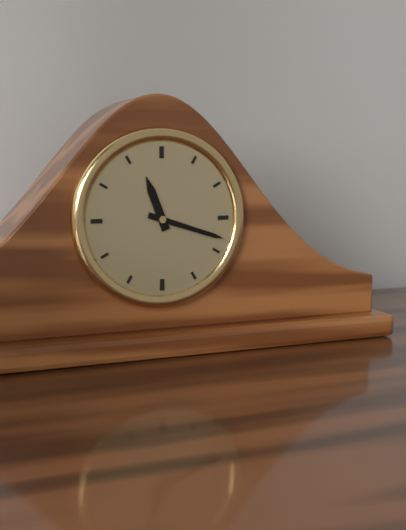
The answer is 11:18
